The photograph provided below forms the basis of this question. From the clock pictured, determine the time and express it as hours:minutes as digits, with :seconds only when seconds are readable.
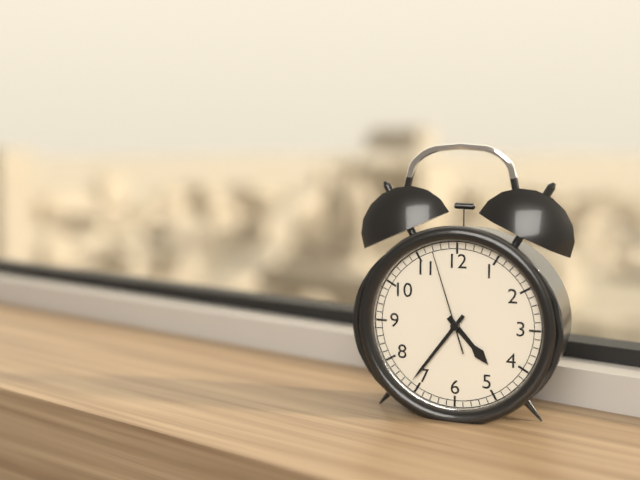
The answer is 4:36:57
